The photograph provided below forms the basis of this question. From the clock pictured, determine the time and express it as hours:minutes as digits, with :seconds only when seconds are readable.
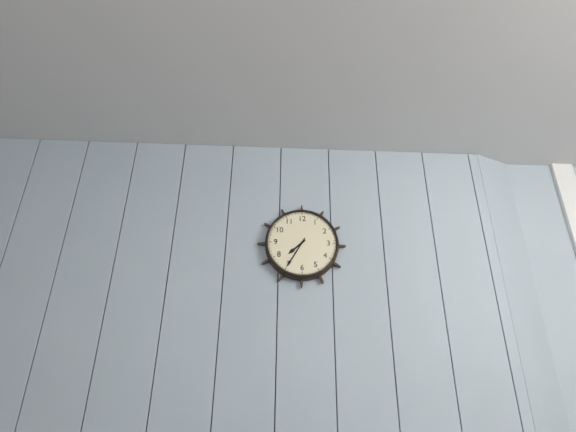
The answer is 7:35
